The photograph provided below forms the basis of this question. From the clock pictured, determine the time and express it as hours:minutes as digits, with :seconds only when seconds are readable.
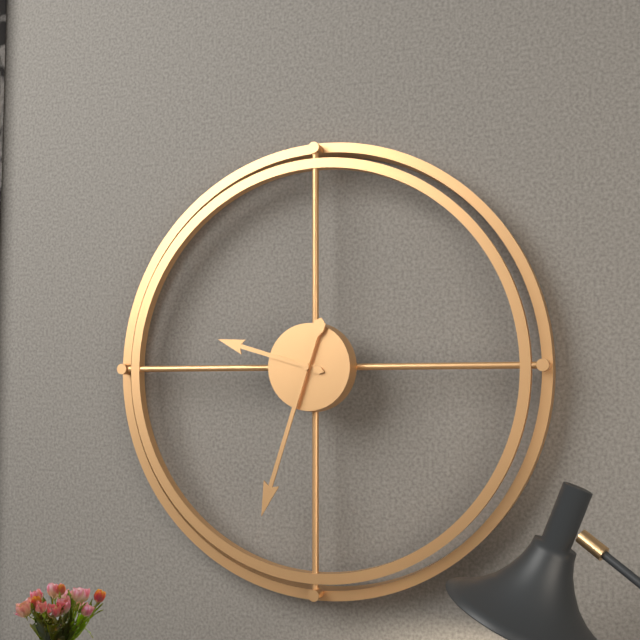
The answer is 9:33
